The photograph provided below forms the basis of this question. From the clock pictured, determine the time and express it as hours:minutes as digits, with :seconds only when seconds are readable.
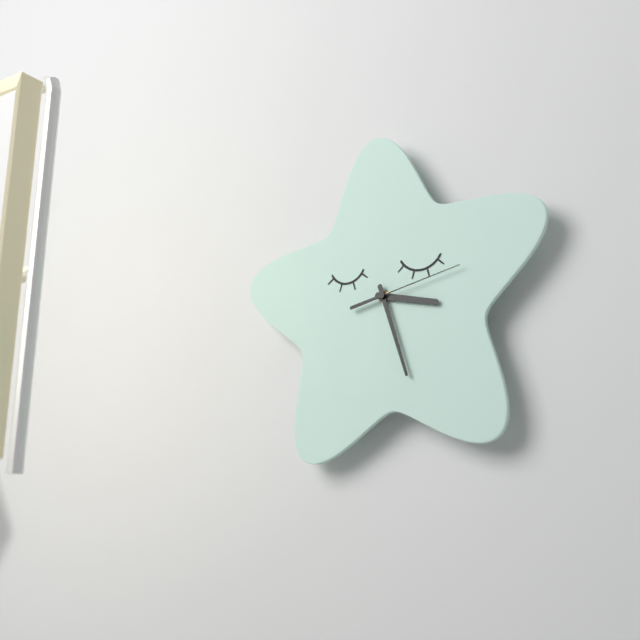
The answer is 3:27:13
